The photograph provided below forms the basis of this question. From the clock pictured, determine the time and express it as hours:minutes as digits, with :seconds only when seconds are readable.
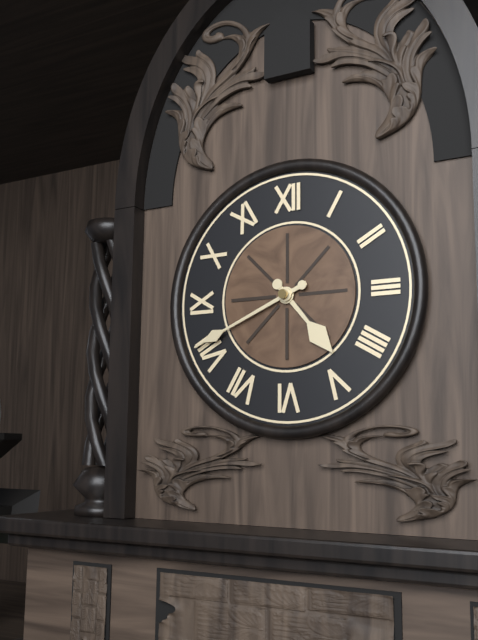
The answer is 4:41
